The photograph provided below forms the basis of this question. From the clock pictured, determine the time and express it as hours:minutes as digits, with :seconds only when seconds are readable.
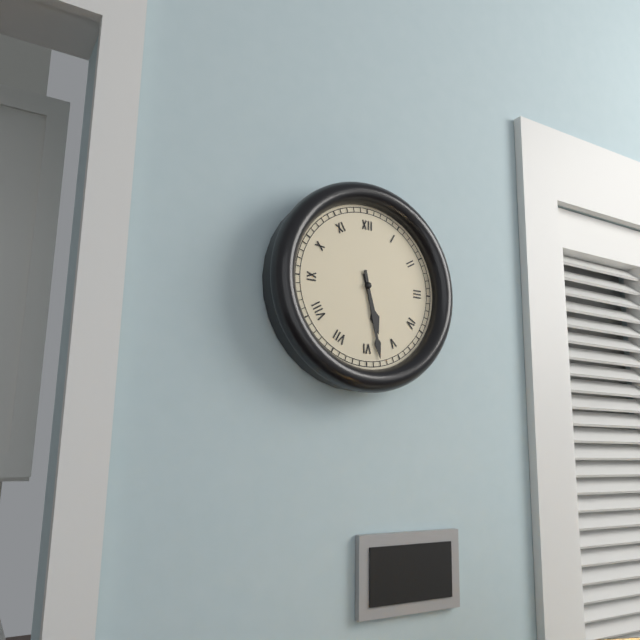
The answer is 5:28
